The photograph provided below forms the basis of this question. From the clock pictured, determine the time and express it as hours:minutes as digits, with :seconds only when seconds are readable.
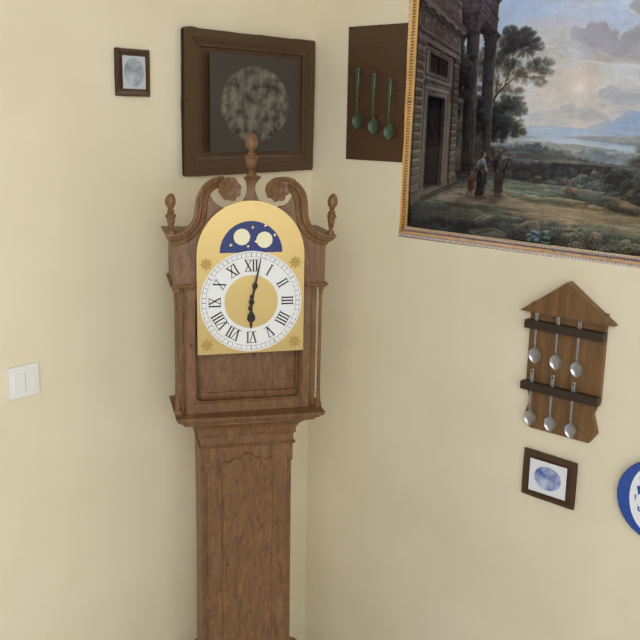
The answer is 6:02
